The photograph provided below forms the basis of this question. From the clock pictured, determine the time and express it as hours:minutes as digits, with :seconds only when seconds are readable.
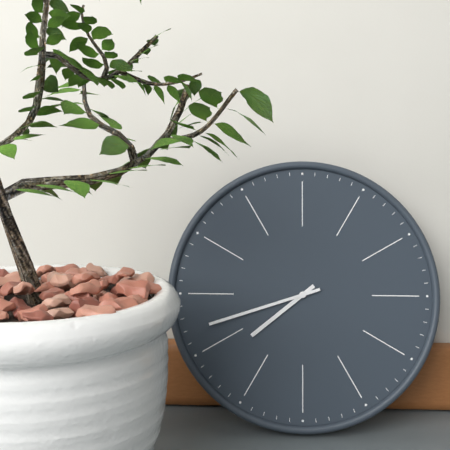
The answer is 7:42
